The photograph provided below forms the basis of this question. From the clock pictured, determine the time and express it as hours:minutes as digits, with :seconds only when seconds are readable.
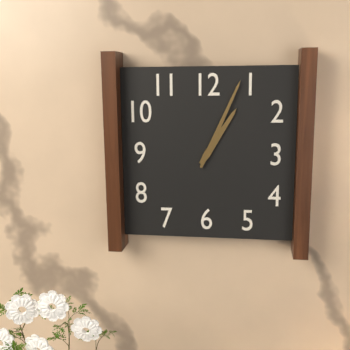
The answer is 1:04
